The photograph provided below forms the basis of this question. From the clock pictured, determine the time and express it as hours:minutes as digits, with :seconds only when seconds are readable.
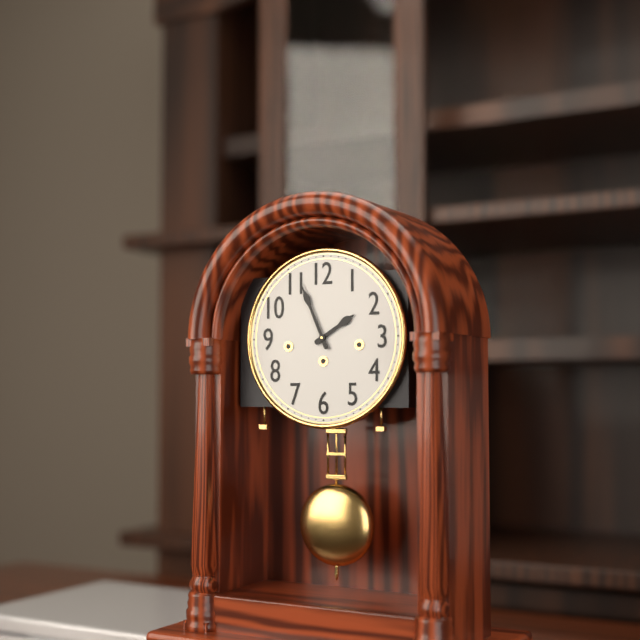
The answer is 1:56
